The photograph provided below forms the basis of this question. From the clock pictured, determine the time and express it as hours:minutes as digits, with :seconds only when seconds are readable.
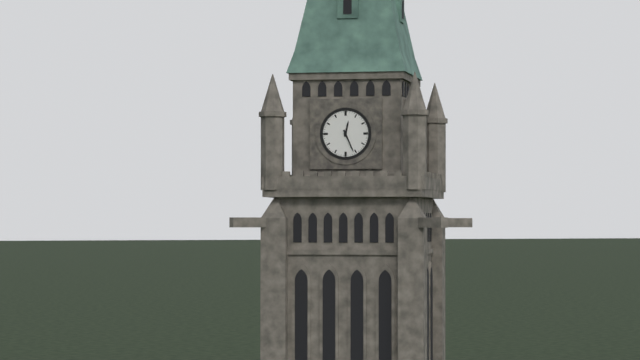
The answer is 12:26
